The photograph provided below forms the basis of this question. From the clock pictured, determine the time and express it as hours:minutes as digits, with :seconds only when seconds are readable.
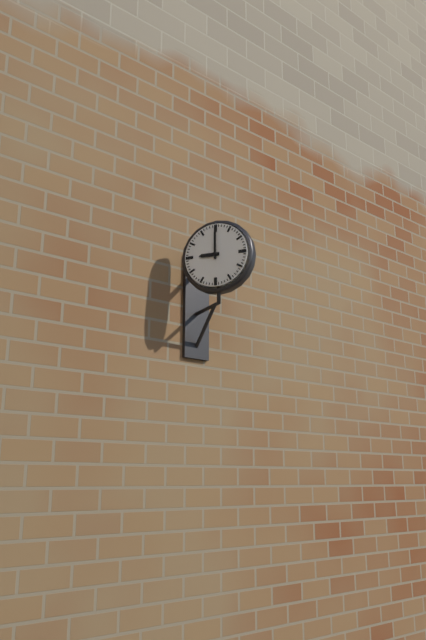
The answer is 9:00
